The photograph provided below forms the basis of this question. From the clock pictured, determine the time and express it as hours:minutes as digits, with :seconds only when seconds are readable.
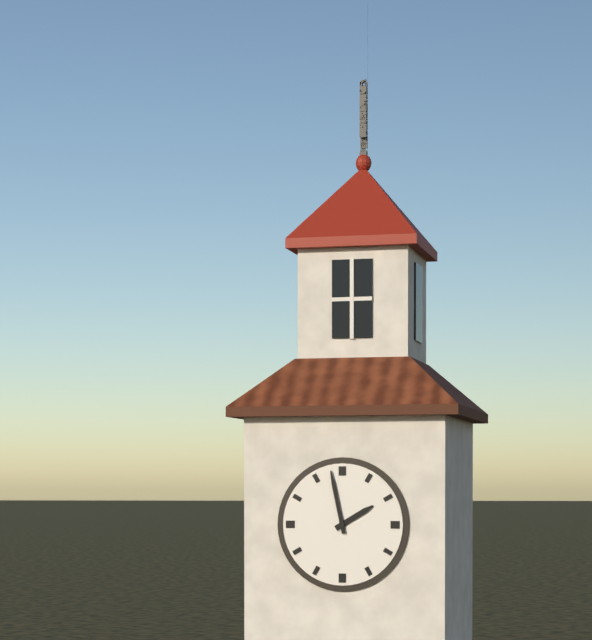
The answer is 1:58
